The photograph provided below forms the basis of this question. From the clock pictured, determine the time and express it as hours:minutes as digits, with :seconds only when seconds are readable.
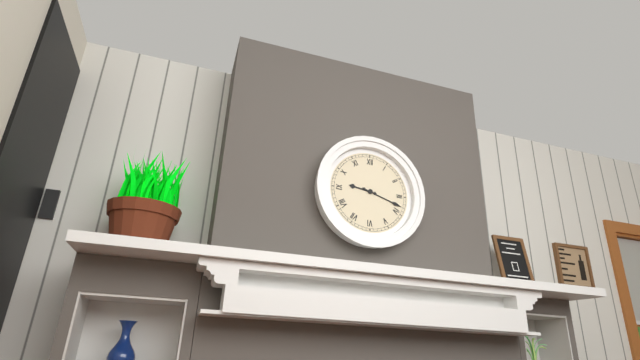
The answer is 9:18
